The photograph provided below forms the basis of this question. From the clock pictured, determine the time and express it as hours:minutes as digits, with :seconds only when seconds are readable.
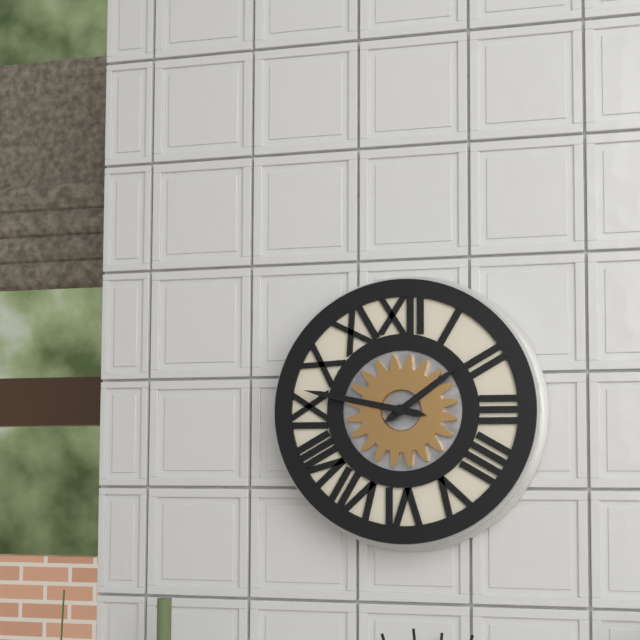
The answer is 1:47
